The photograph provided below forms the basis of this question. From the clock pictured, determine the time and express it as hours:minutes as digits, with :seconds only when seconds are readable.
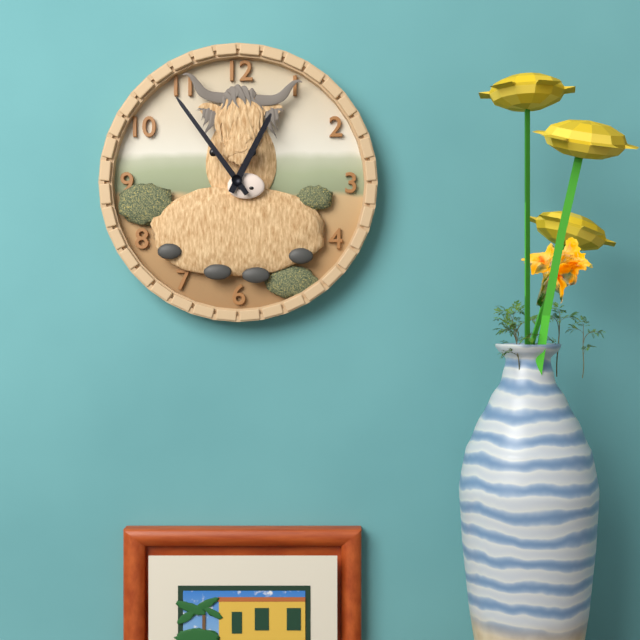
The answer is 12:54
